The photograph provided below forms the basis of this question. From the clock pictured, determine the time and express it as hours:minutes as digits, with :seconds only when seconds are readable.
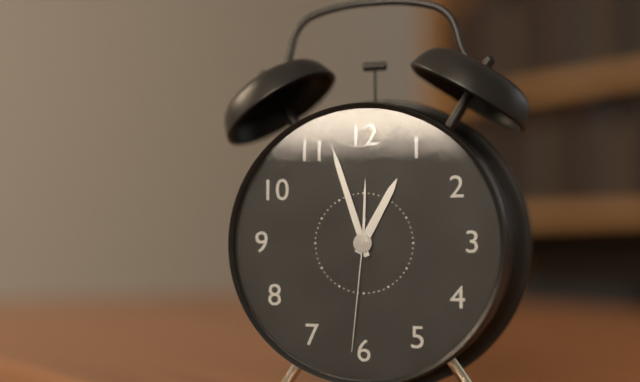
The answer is 12:57:31
